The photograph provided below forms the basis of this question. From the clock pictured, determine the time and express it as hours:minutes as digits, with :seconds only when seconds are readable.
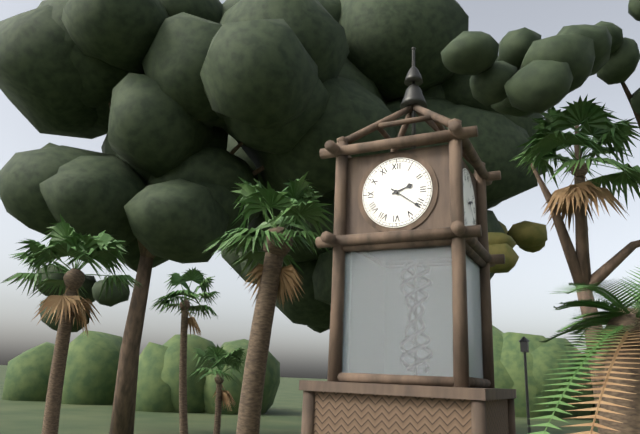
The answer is 2:21
